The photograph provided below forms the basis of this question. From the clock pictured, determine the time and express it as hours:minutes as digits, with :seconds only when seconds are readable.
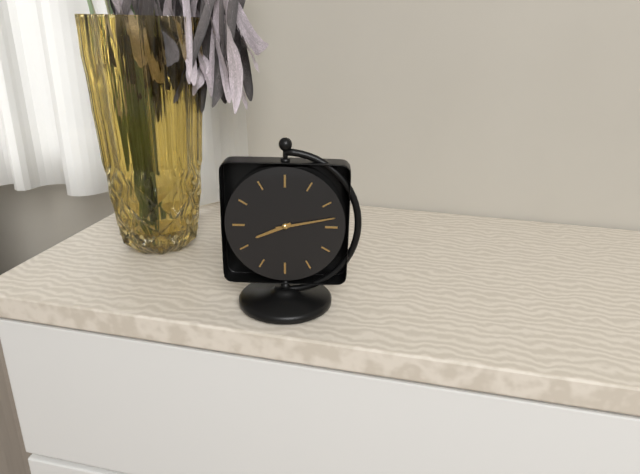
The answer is 8:13
